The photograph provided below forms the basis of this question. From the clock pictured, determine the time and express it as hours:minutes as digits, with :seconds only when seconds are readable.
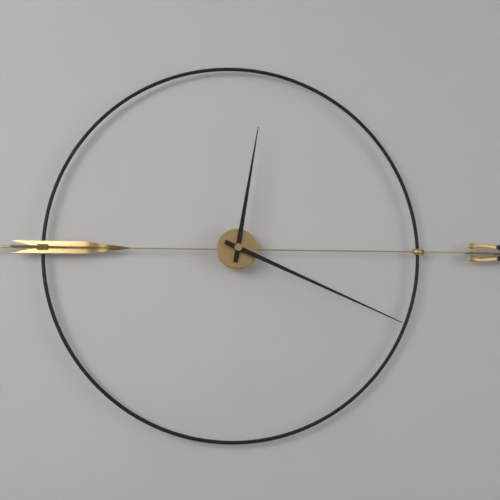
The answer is 12:19
